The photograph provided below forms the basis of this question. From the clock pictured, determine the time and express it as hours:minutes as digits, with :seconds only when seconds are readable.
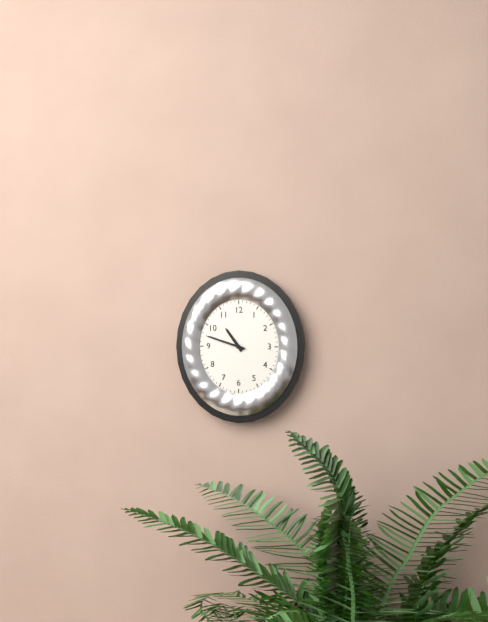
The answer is 10:48
